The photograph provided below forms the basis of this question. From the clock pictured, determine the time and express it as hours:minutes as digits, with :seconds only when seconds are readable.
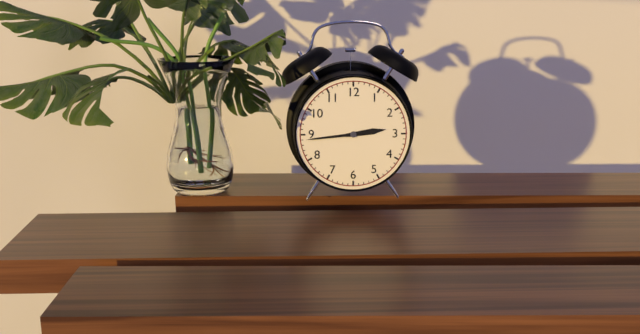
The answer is 2:44
